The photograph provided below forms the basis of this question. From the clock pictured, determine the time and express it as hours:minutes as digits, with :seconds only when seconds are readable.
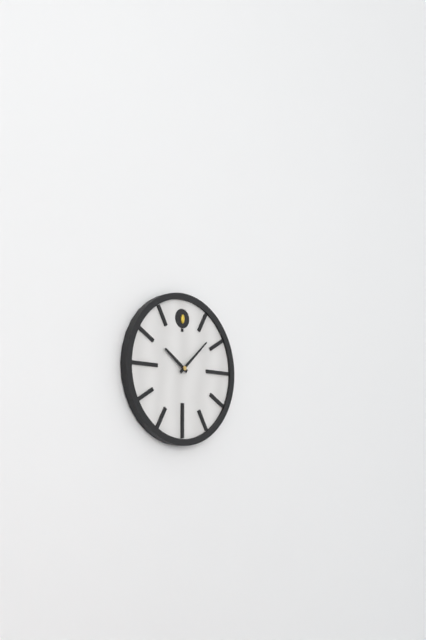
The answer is 10:08
